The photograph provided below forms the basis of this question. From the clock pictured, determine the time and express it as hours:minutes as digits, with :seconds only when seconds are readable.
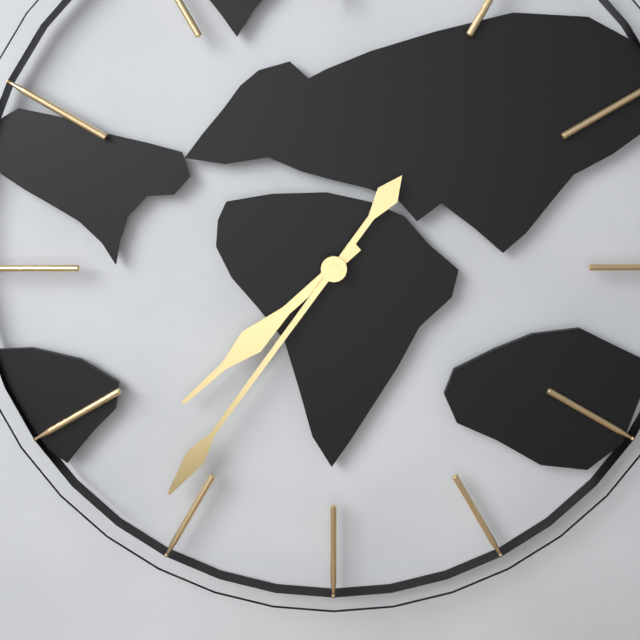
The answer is 7:36
